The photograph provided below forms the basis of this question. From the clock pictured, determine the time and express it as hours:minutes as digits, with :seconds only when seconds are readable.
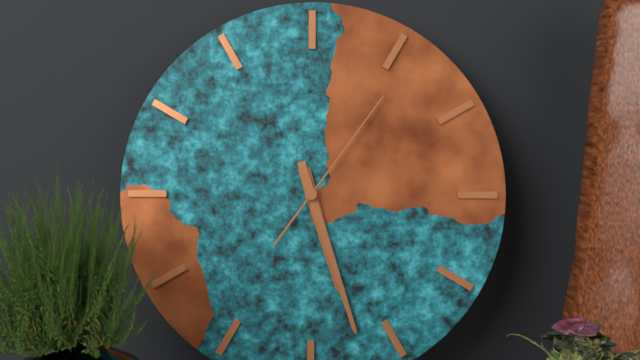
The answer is 5:27:06
